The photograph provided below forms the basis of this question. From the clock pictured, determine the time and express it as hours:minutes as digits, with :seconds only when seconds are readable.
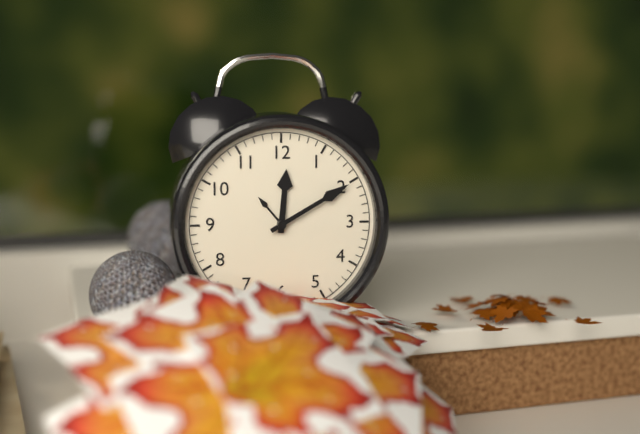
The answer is 12:10
